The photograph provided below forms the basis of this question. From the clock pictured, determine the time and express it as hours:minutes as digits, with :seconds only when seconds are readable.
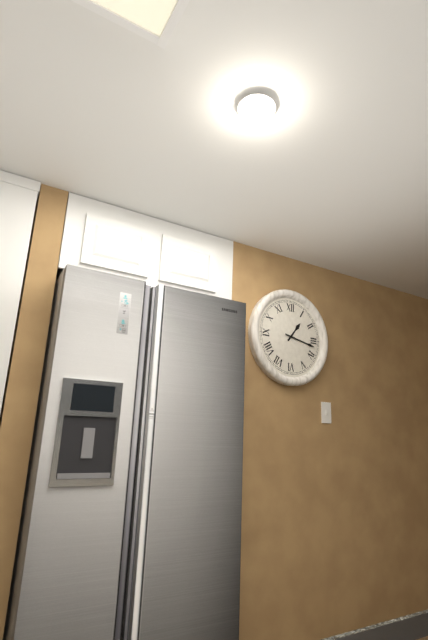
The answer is 1:17
